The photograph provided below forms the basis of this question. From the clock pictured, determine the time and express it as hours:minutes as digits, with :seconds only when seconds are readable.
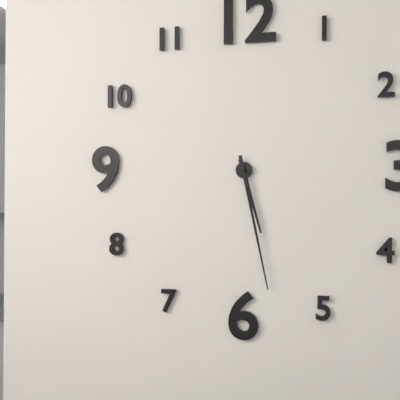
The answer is 5:28
